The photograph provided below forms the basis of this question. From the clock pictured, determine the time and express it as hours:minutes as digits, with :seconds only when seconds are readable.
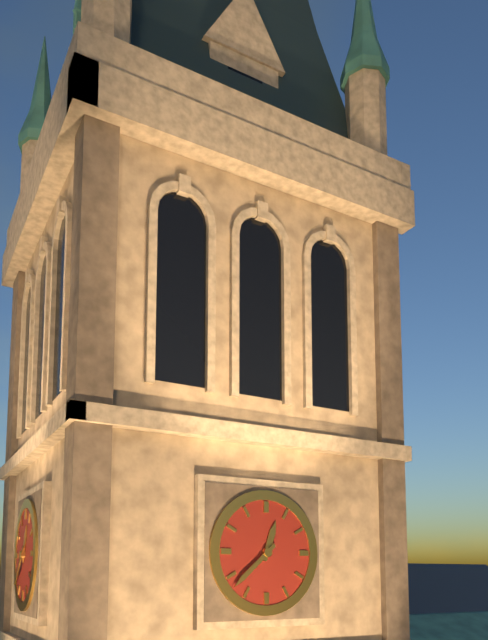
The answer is 12:38
